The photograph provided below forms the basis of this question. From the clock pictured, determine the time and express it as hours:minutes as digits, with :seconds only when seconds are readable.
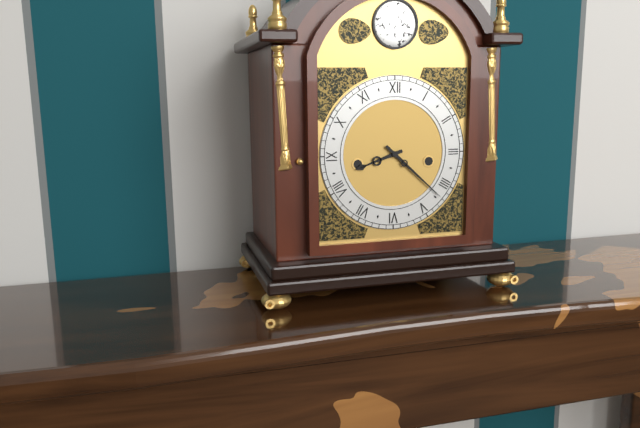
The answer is 8:22
